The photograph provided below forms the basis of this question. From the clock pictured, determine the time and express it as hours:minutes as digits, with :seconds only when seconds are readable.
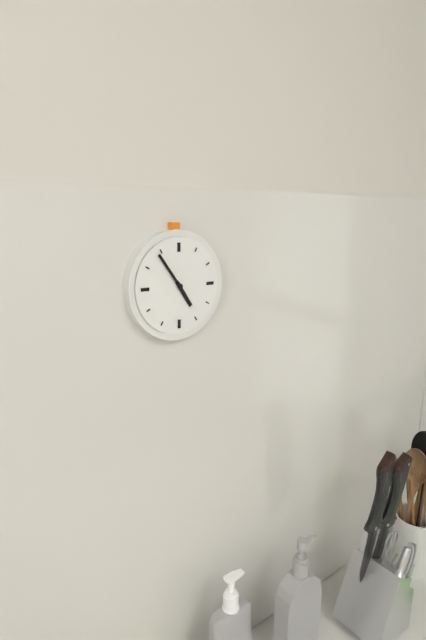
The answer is 4:54
